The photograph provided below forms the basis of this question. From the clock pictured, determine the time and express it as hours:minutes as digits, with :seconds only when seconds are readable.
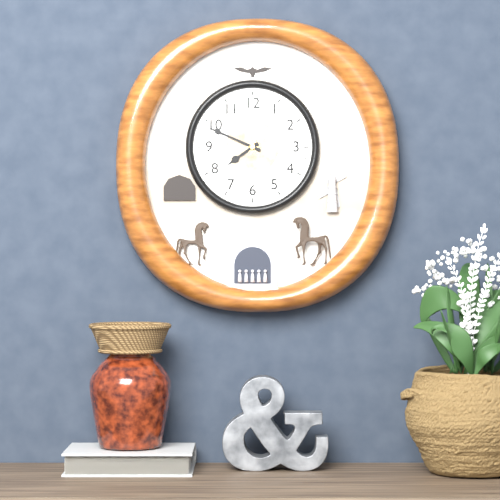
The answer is 7:49
